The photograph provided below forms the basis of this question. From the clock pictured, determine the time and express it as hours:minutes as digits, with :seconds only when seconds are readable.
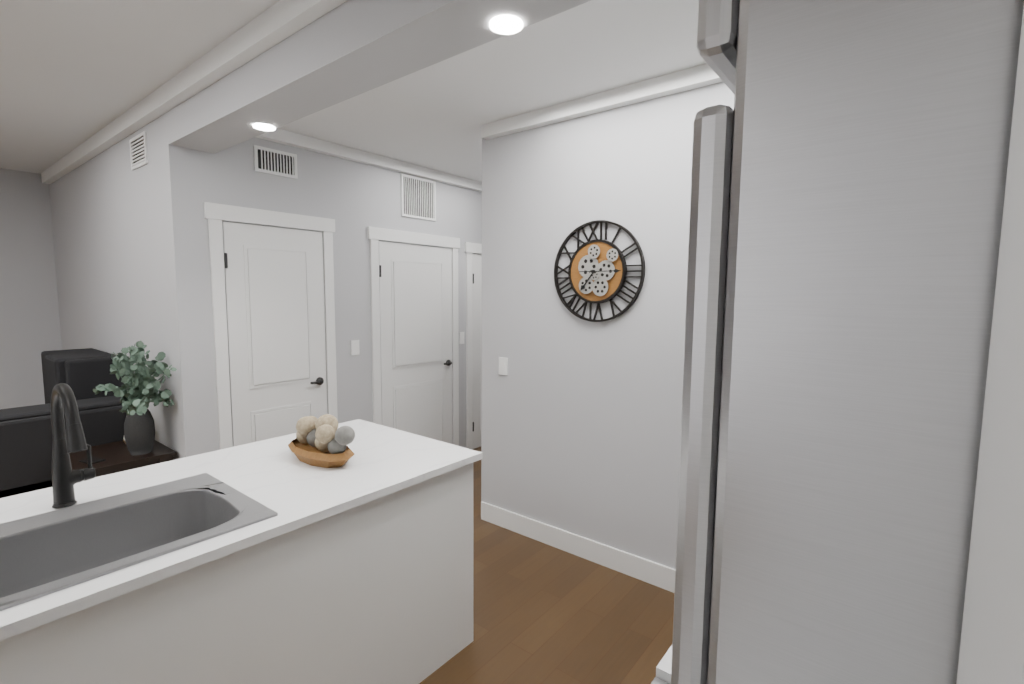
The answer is 7:15
